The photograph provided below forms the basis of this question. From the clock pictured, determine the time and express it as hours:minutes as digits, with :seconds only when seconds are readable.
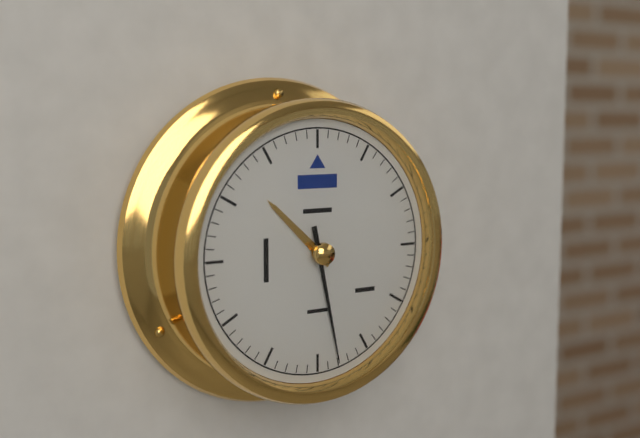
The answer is 10:28
